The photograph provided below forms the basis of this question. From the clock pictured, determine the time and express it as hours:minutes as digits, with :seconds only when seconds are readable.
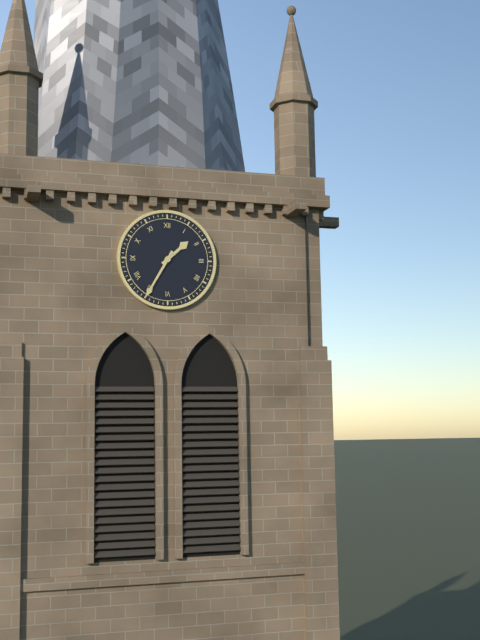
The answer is 1:35
